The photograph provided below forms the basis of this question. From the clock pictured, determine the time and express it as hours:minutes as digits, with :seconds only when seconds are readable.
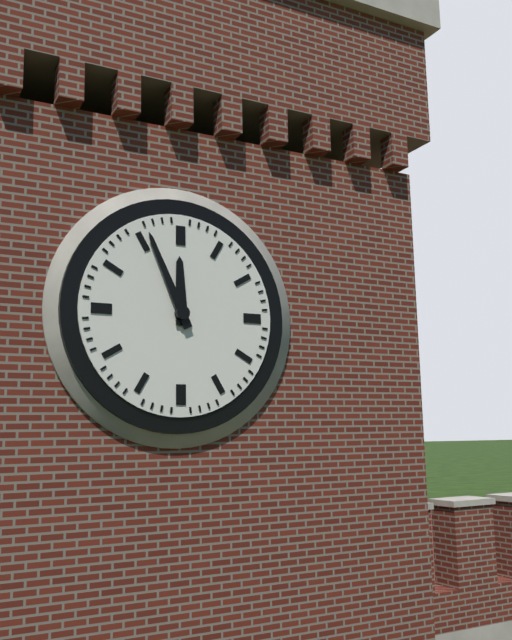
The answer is 11:56
